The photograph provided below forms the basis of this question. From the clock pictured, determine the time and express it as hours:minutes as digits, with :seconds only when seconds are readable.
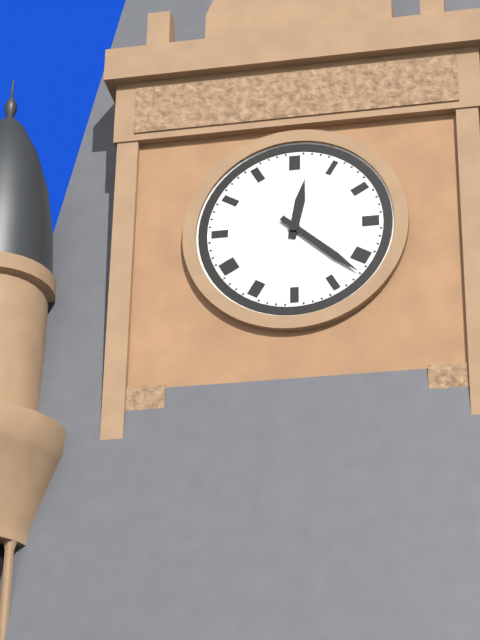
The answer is 12:22
